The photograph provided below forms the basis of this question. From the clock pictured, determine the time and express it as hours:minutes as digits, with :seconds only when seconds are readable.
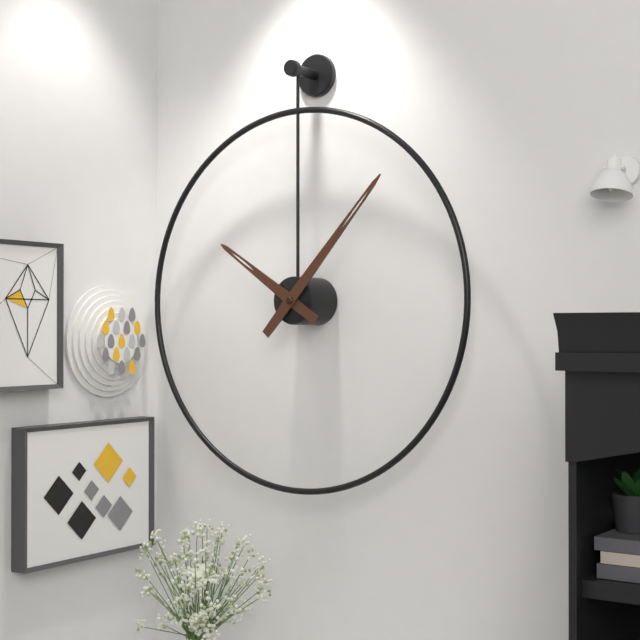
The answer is 10:07
